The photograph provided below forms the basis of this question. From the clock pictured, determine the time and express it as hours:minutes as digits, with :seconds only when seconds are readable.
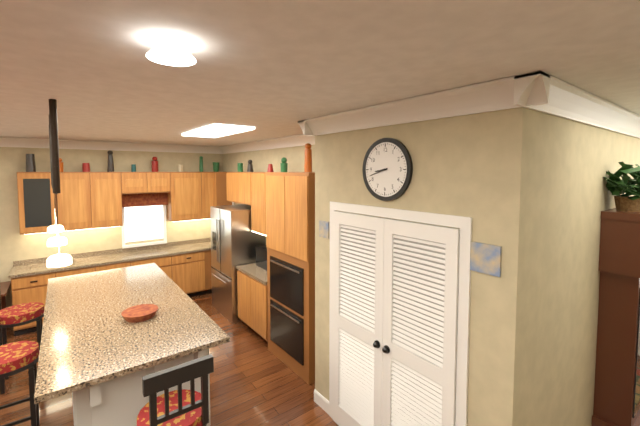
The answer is 8:42
